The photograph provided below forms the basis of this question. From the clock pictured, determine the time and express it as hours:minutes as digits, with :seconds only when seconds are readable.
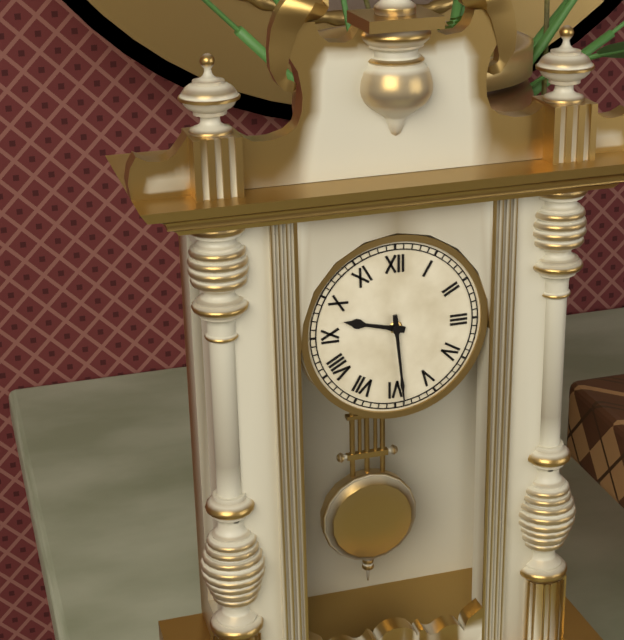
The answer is 9:29
